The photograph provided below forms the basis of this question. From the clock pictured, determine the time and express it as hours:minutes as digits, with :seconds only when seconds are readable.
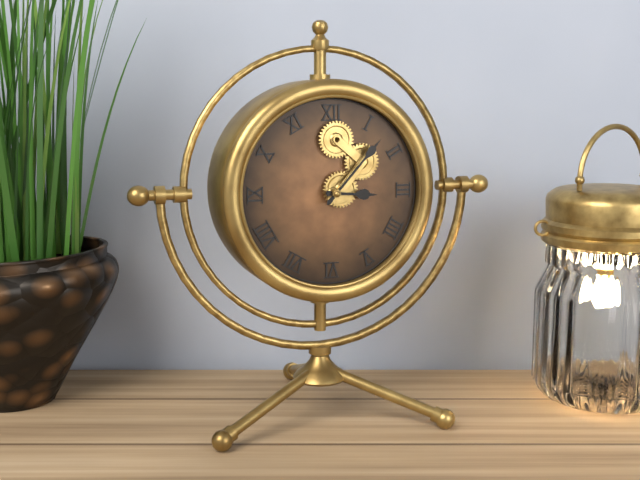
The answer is 3:07
